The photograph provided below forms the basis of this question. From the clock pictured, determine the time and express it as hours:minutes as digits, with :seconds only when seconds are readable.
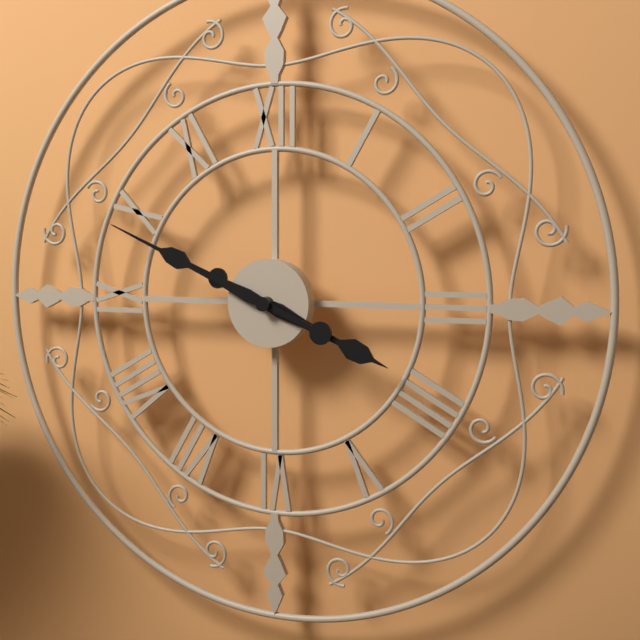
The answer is 3:49
